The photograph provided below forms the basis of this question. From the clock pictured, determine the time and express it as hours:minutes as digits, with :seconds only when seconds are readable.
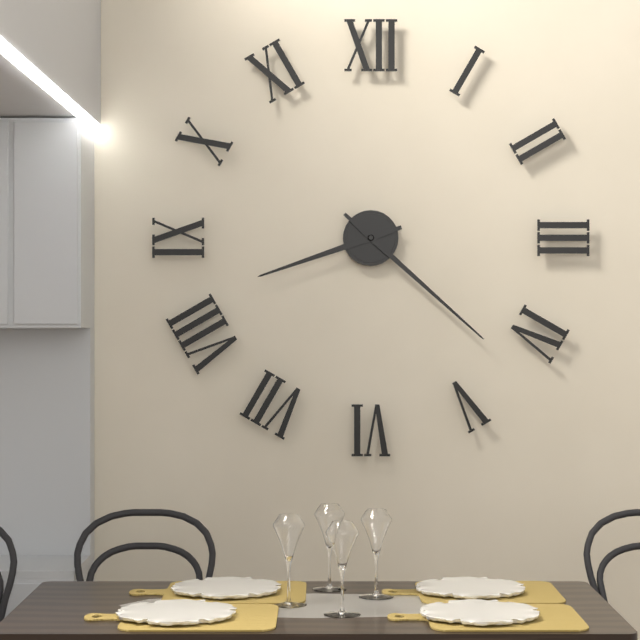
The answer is 8:22
